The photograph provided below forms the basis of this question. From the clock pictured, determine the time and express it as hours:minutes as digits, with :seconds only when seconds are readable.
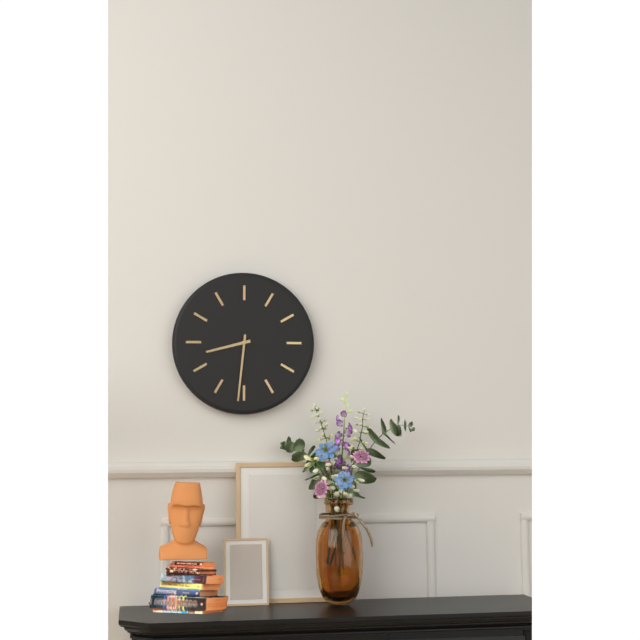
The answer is 8:31
